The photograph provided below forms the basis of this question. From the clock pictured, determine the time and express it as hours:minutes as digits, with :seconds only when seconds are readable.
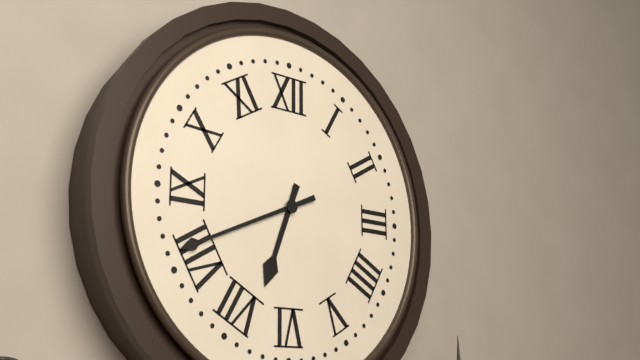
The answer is 6:41
